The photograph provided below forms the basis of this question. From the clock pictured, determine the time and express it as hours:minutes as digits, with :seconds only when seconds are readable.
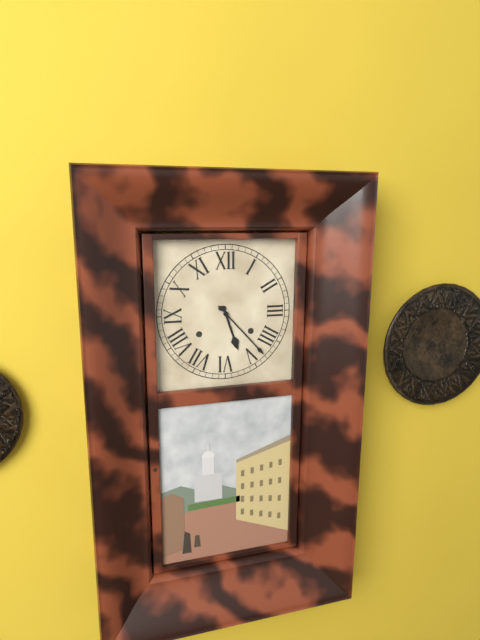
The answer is 5:23
